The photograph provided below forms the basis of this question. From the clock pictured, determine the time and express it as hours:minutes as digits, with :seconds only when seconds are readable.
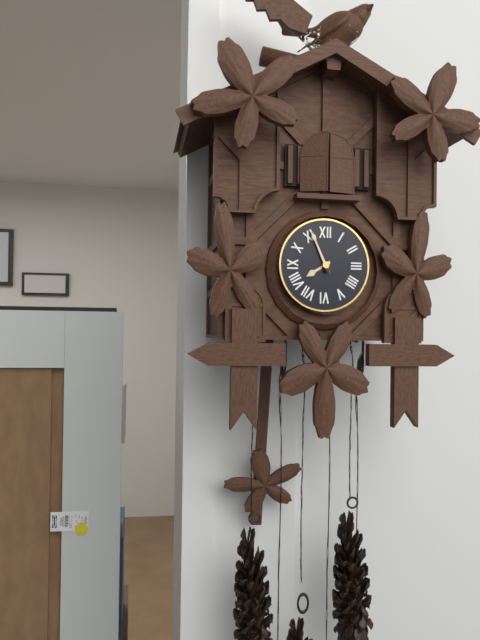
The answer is 7:56
